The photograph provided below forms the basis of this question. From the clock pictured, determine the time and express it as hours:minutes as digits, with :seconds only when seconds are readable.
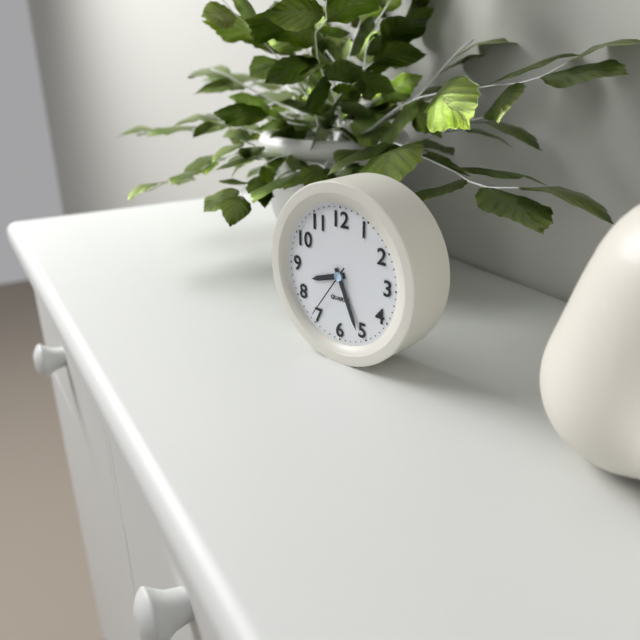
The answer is 8:26:36
